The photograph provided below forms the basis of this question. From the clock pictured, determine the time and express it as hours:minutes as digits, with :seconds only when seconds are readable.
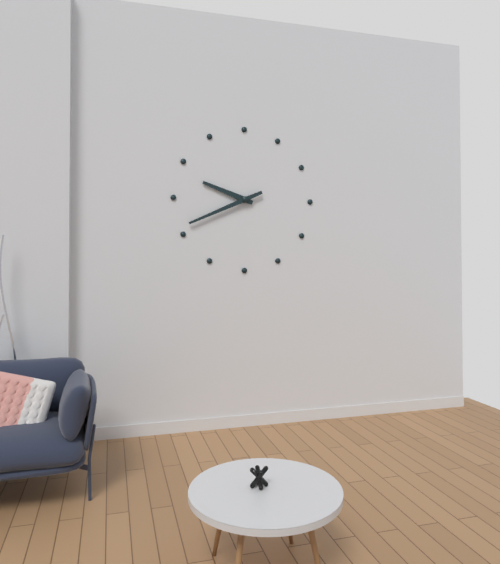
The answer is 9:41
